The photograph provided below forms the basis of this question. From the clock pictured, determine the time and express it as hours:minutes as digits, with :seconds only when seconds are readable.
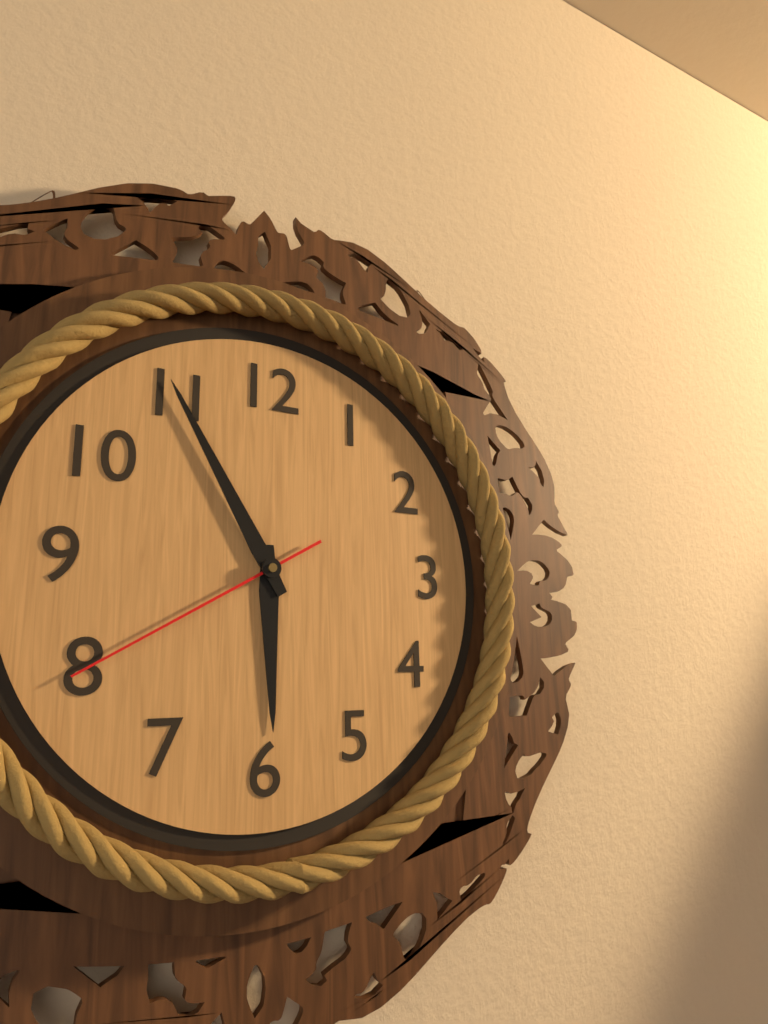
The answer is 5:55:40
